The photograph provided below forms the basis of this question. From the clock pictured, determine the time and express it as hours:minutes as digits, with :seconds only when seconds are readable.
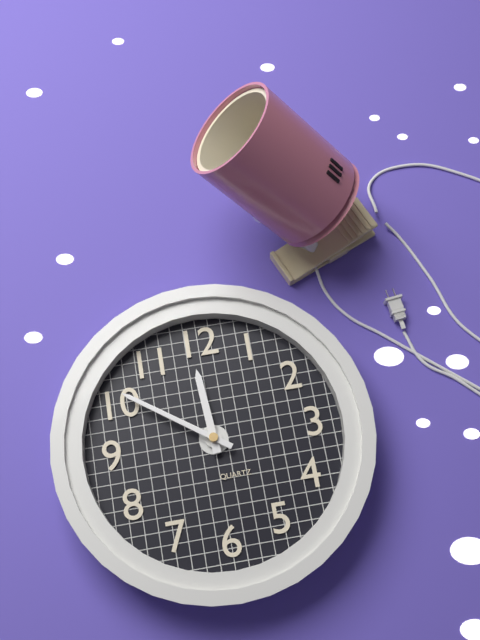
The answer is 11:51
